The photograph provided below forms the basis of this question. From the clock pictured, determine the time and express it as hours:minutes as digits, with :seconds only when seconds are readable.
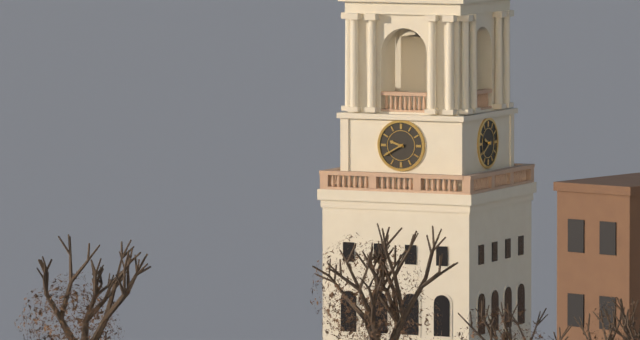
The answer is 9:40
